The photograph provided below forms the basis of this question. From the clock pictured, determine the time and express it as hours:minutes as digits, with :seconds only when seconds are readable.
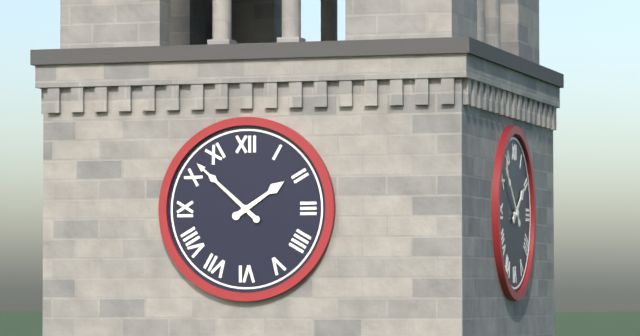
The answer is 1:52
